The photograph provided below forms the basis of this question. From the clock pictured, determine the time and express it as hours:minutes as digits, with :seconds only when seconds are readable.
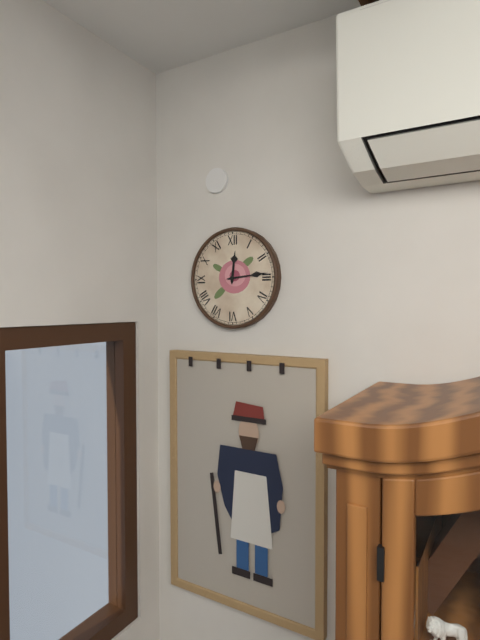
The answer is 12:14
